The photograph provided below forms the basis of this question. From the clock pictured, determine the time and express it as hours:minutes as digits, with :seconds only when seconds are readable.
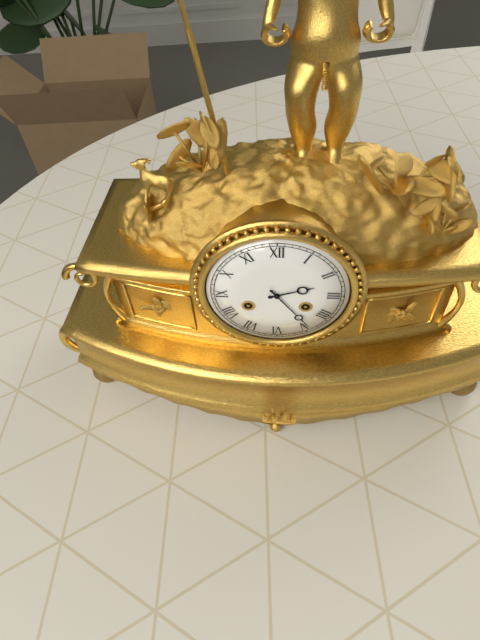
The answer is 2:24
